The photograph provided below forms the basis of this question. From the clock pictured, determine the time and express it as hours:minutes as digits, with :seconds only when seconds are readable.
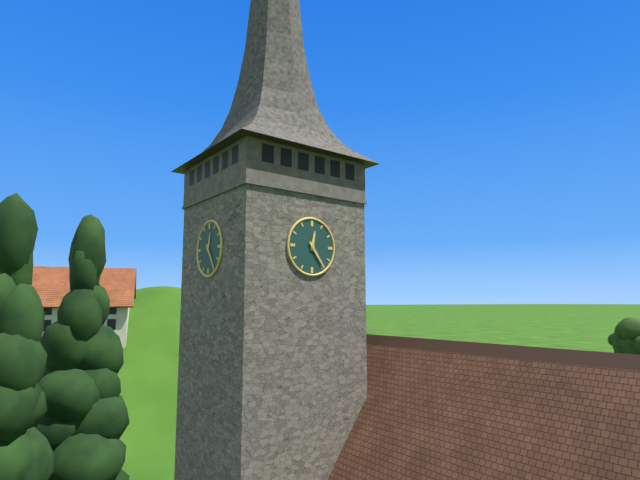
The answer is 12:24
